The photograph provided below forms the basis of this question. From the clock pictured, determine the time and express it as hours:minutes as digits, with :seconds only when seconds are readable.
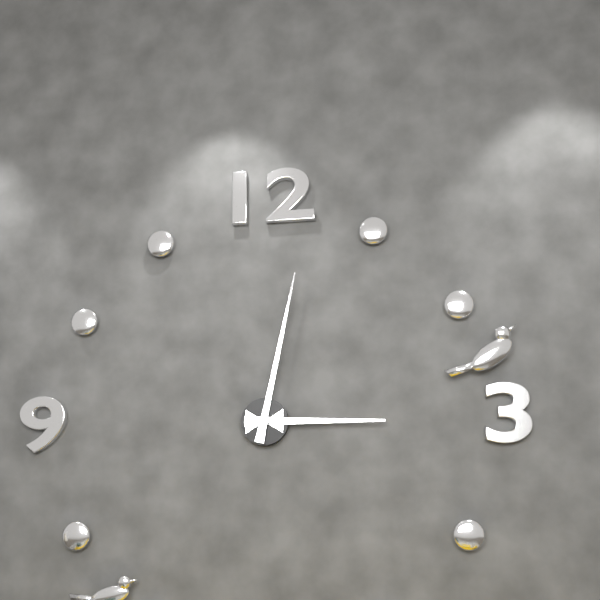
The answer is 3:02
